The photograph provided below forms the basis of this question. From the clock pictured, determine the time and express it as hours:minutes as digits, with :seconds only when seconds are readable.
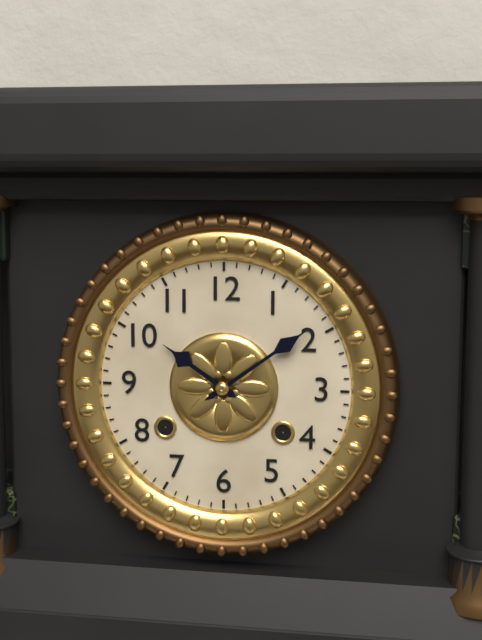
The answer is 10:09
